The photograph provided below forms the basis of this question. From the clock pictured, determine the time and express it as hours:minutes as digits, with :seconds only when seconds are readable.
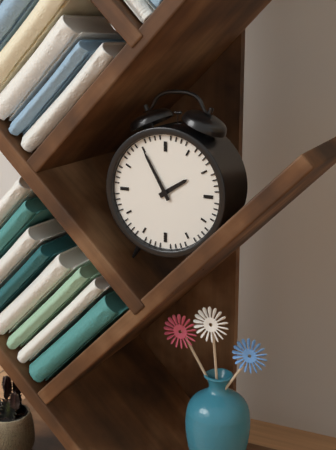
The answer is 1:55
